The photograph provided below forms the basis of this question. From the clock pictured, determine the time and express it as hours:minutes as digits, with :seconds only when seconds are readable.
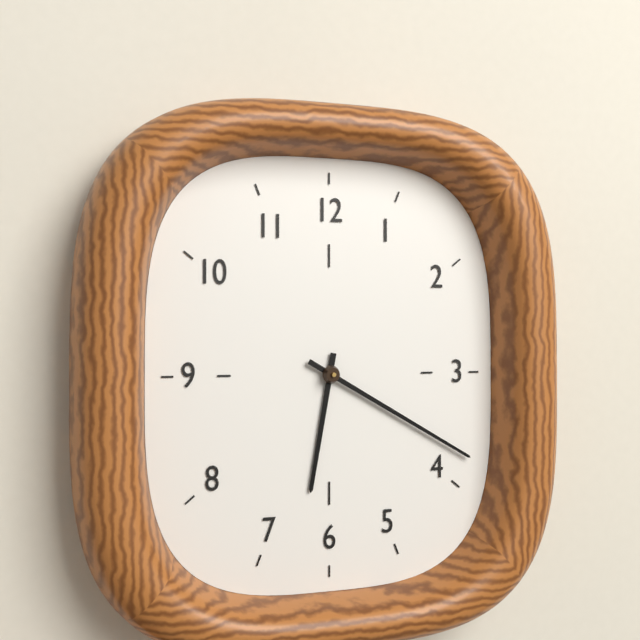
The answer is 6:20
